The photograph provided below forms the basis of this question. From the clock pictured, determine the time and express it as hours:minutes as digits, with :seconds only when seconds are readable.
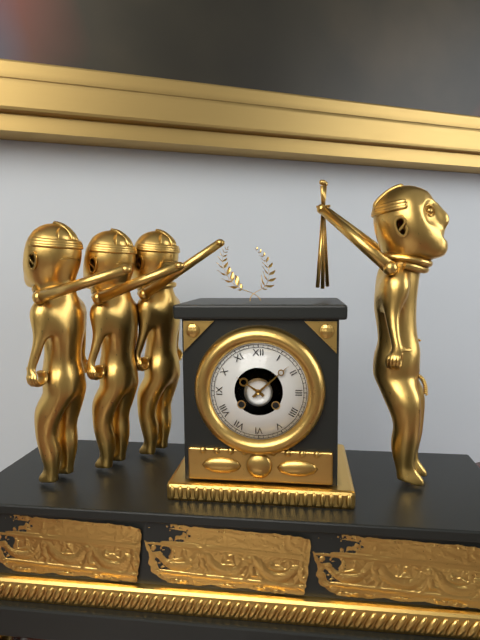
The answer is 10:08
